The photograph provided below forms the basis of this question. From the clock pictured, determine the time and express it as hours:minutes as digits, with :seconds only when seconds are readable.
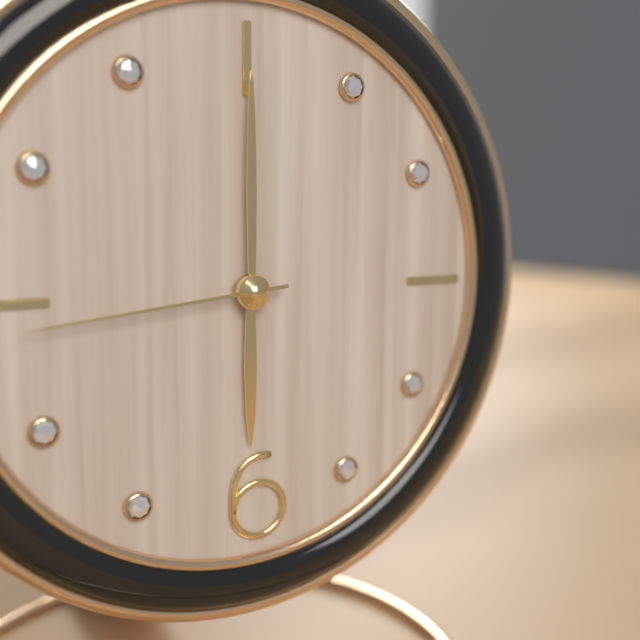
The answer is 6:00:44
